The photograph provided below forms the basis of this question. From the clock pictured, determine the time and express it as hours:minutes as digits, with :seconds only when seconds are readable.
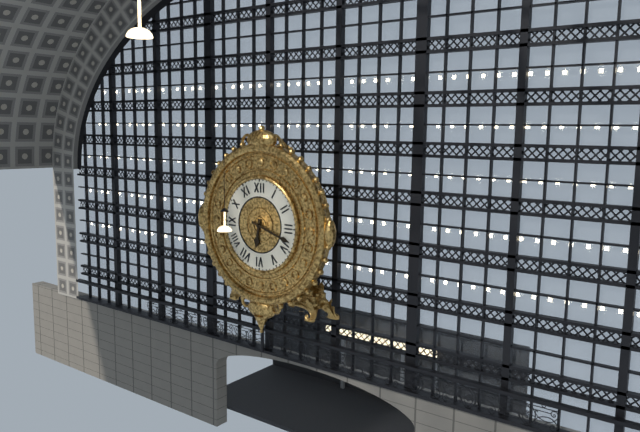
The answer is 6:18
